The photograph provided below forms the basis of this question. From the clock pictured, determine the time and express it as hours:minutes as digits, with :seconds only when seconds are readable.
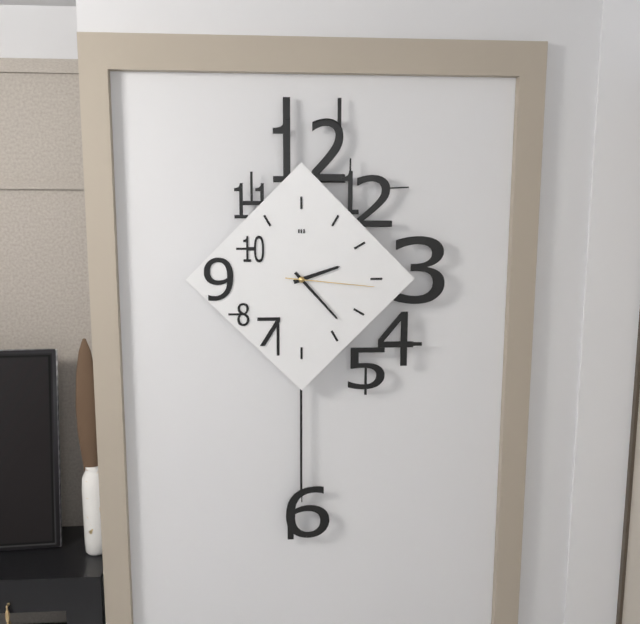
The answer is 2:23:16
